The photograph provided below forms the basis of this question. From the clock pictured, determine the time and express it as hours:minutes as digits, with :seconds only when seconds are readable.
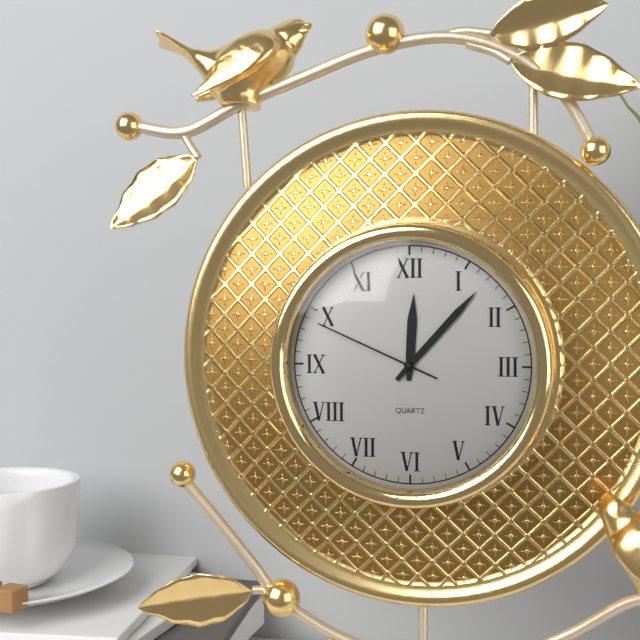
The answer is 12:07:49
